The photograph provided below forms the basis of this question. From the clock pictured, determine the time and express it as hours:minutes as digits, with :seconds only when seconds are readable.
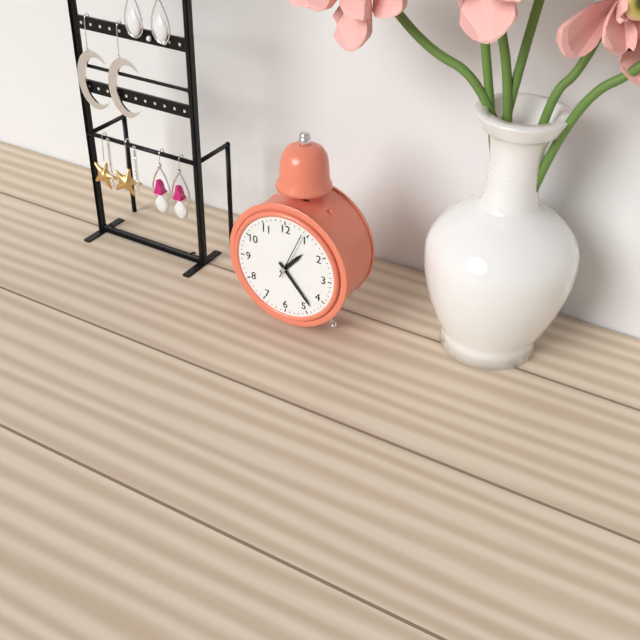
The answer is 1:23
